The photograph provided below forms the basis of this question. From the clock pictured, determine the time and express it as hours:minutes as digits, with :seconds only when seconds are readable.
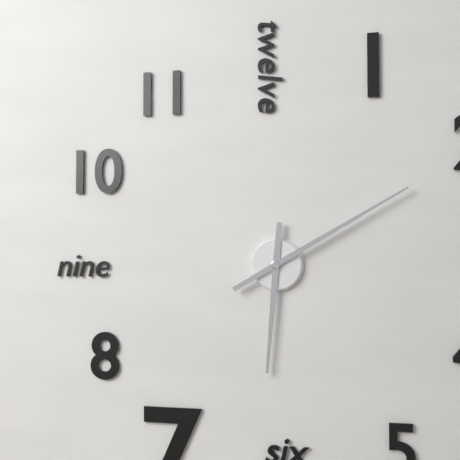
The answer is 6:10
